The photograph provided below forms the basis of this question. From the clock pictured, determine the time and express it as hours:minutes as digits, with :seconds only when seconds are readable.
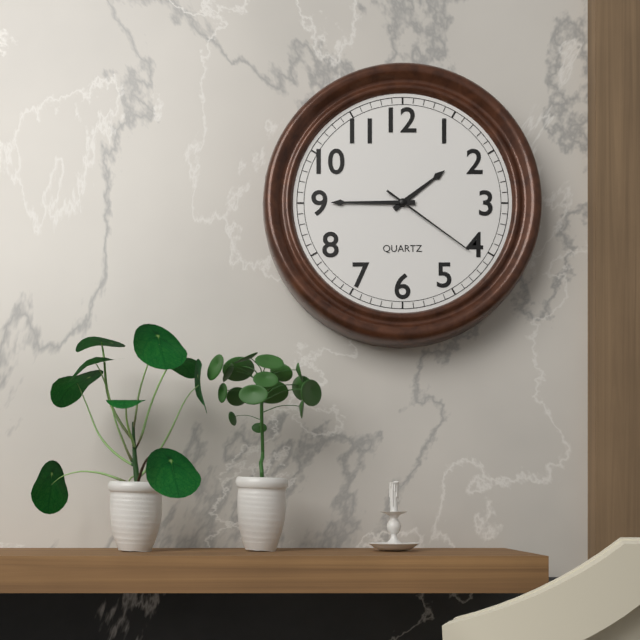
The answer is 1:45:21
